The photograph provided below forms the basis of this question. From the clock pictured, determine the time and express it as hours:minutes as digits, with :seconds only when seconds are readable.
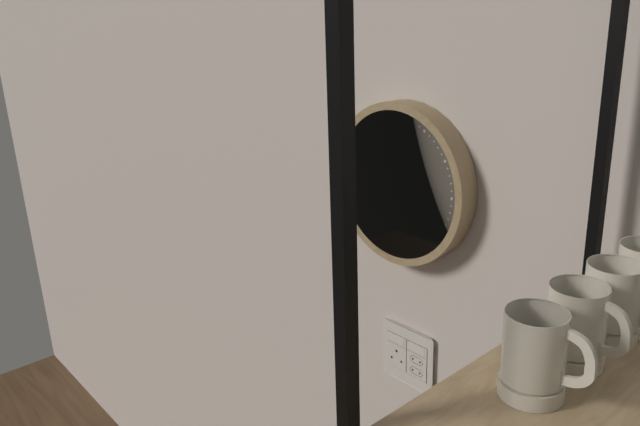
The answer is 9:32
